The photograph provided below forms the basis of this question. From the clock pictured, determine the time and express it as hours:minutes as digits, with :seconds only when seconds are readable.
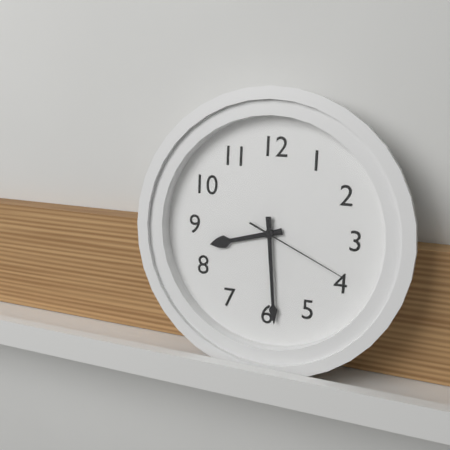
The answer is 8:29:19
